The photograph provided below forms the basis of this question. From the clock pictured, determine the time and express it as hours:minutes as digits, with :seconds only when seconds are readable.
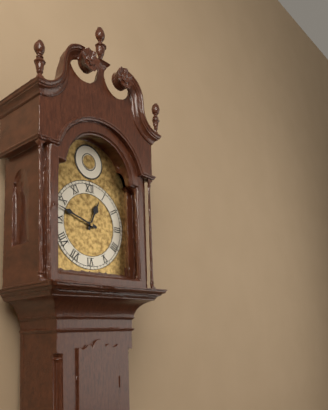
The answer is 12:48
